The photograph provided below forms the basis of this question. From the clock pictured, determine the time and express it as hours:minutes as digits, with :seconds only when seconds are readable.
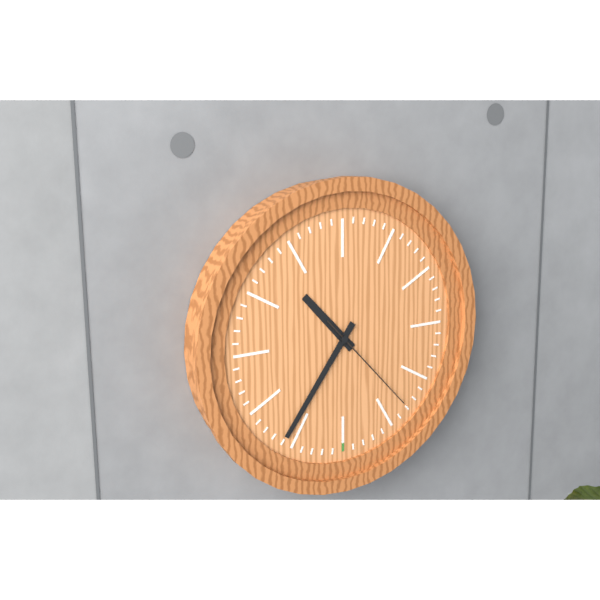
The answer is 10:36:23
